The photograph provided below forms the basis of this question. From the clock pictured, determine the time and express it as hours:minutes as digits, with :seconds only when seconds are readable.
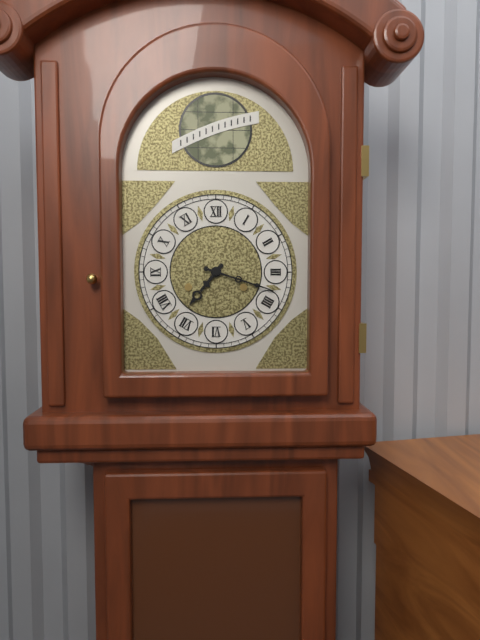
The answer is 7:18
